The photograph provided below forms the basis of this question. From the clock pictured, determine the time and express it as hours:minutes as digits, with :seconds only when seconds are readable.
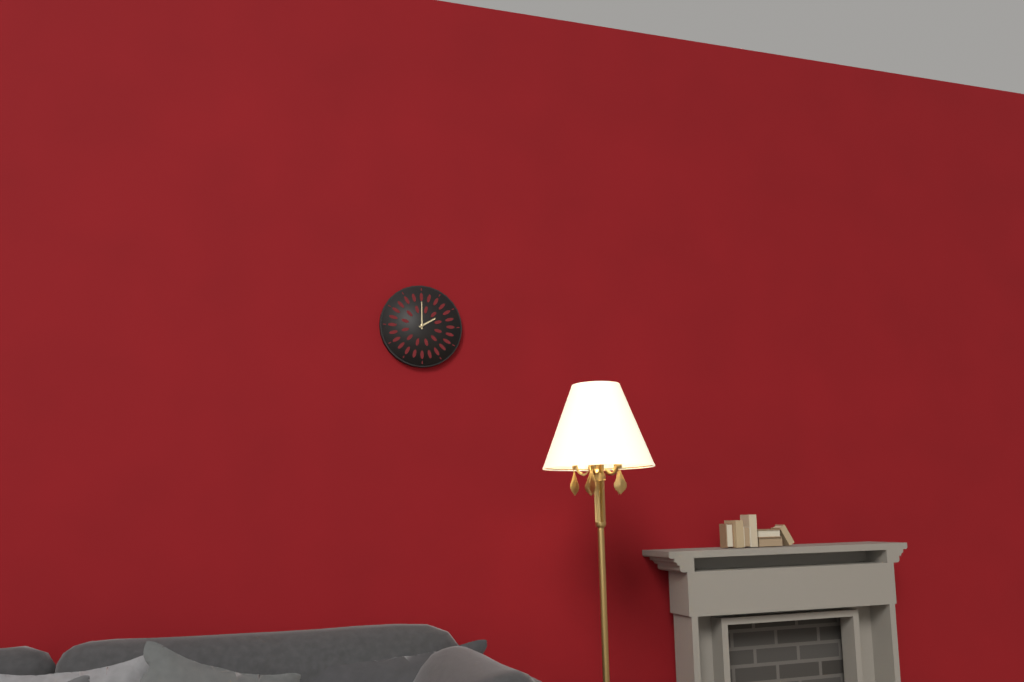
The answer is 2:00
